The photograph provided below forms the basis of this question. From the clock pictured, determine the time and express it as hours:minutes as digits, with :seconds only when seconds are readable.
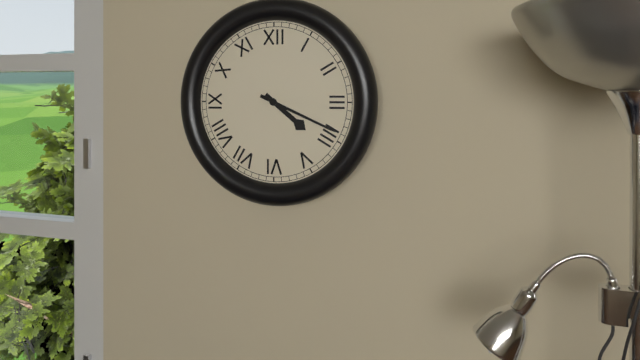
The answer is 4:19
